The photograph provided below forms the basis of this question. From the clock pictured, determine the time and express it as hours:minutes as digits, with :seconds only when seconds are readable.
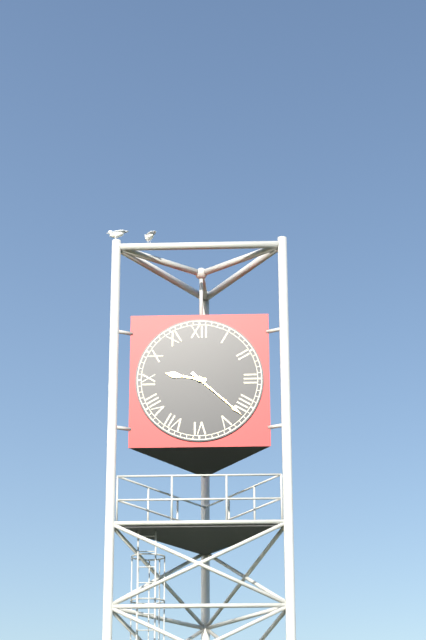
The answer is 9:22
